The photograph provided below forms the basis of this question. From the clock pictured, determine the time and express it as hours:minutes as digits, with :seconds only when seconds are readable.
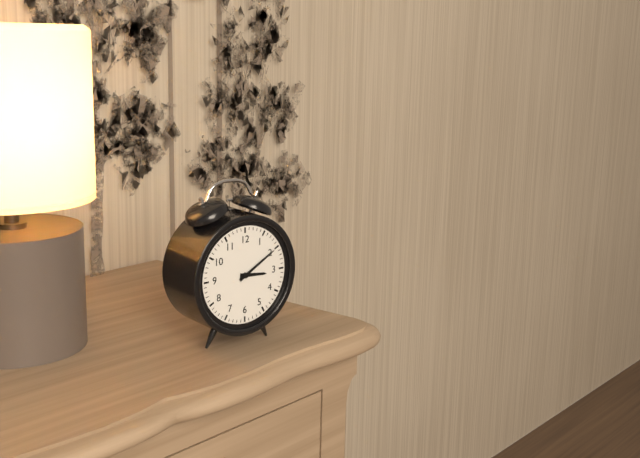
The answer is 3:10
